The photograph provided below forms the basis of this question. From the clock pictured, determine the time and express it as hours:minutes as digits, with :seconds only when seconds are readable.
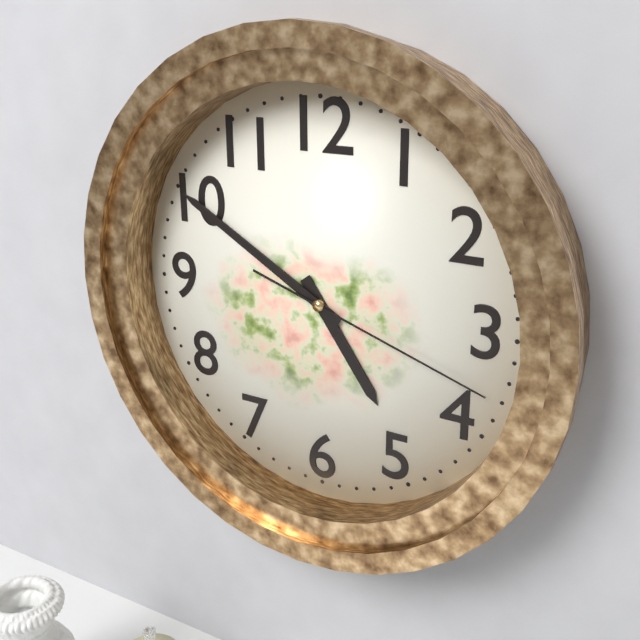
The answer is 4:50:18
